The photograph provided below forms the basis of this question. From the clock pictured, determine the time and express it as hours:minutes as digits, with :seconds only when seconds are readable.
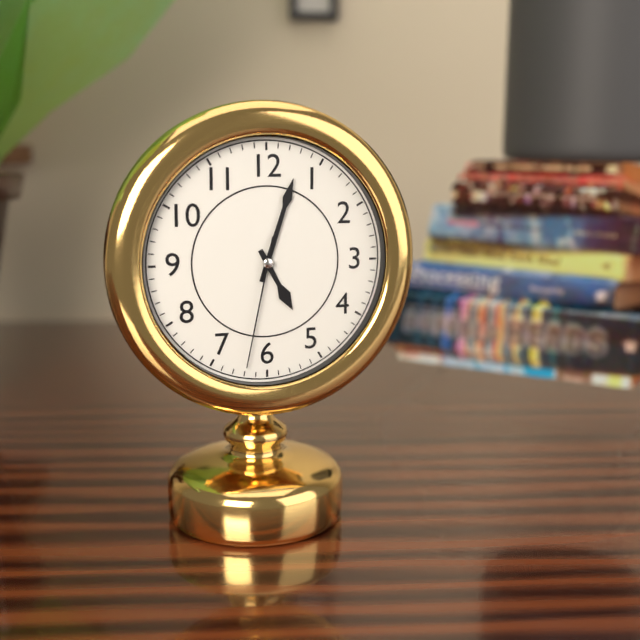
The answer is 5:03:32
